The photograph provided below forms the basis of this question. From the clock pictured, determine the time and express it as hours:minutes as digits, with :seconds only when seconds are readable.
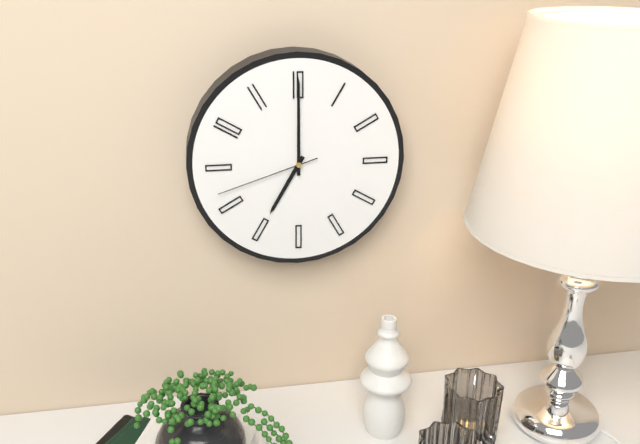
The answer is 7:00:42
